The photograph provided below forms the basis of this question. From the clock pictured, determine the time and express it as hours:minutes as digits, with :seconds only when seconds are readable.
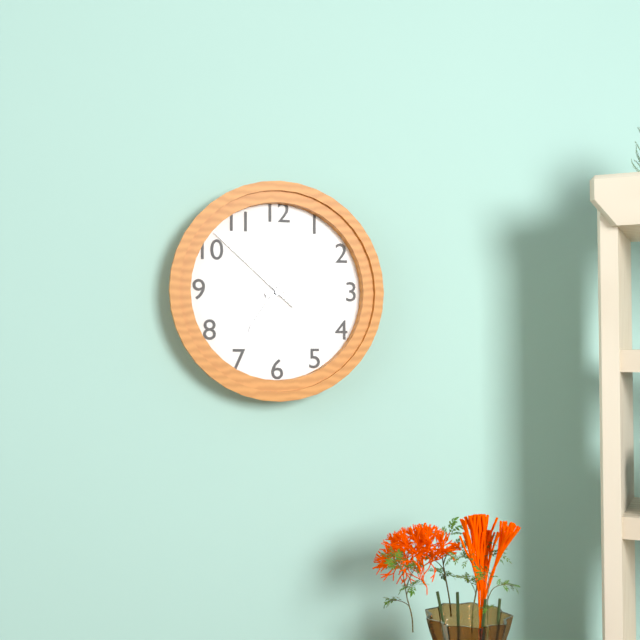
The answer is 7:12:52
